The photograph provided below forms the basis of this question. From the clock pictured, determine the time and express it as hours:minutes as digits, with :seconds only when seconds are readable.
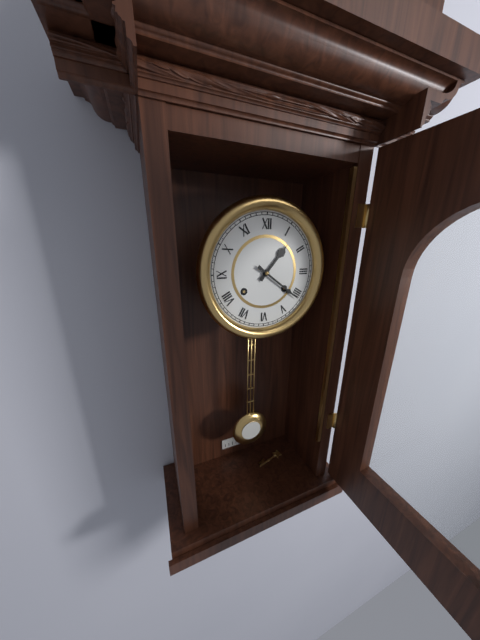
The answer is 1:21
